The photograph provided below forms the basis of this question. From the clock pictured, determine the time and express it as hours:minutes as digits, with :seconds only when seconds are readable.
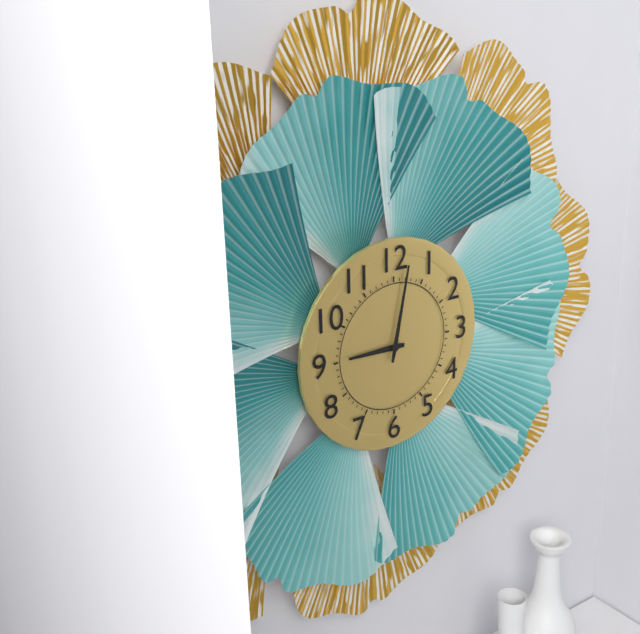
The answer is 9:02
